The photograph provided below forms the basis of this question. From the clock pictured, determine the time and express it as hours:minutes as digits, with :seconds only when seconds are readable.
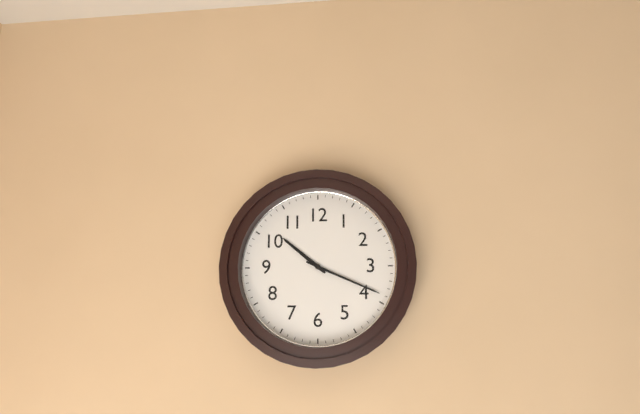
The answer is 10:19
